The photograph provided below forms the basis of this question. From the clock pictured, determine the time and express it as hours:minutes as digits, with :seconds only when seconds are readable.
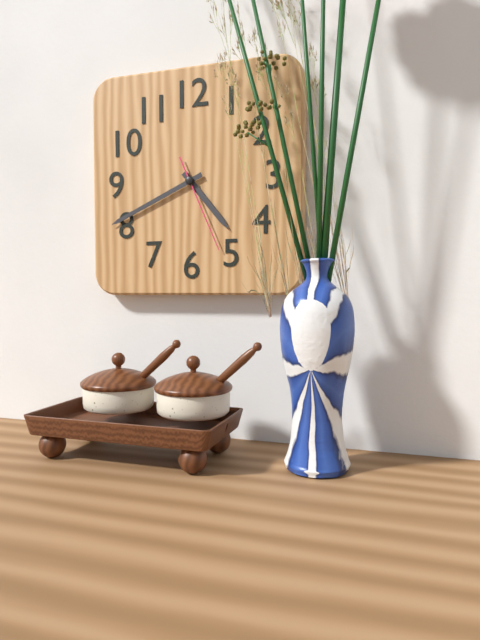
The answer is 4:41:26
